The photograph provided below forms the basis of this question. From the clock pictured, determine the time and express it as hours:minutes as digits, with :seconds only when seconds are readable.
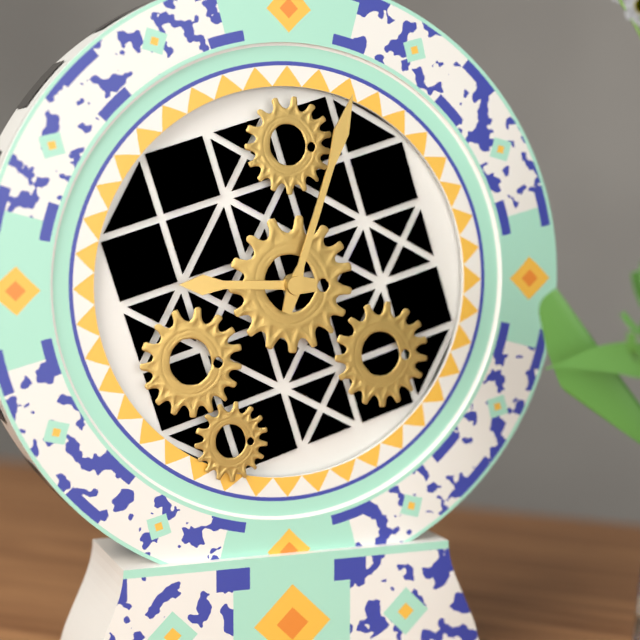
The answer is 9:03
